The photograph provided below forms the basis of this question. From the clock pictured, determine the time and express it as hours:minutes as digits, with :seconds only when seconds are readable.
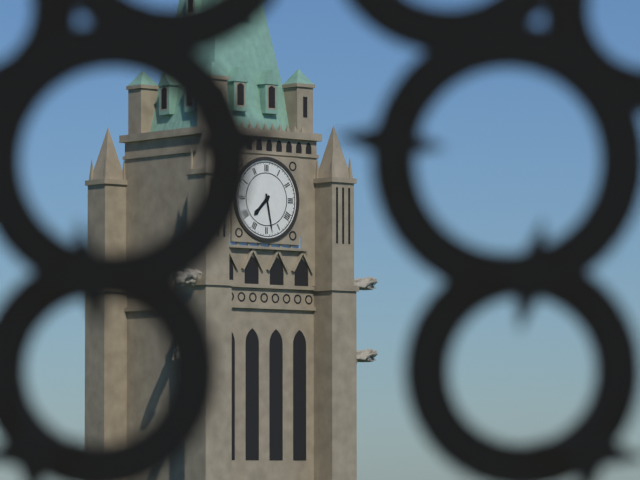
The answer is 7:28
